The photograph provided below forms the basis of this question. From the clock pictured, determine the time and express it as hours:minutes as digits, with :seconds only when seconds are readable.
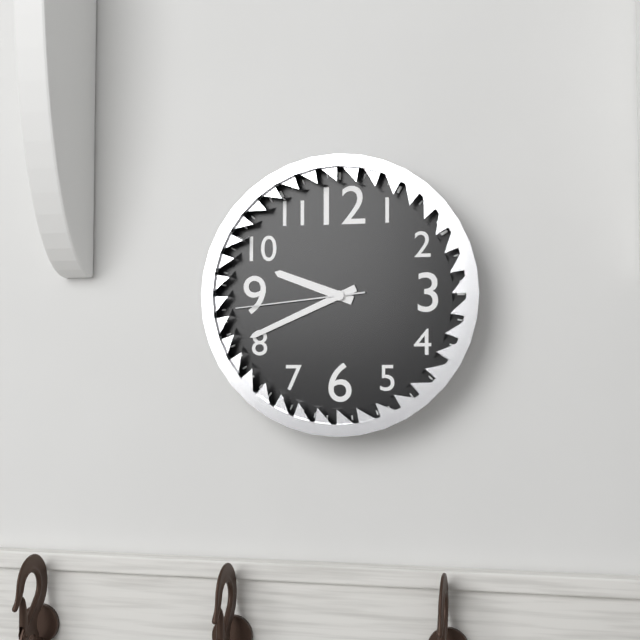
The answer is 9:41:44
